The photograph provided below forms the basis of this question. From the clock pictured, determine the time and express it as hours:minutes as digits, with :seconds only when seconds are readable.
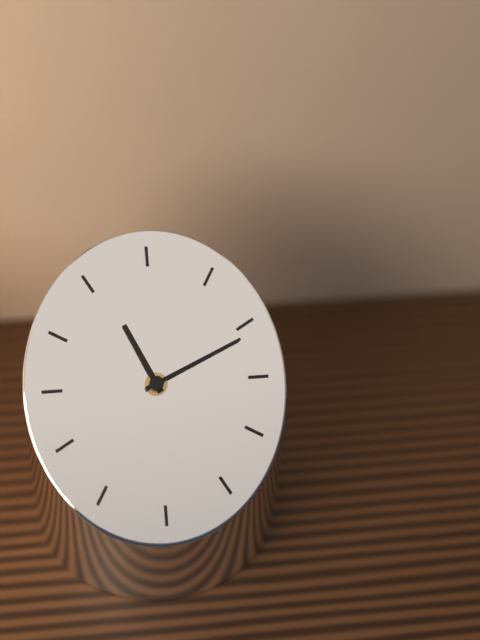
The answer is 11:11
